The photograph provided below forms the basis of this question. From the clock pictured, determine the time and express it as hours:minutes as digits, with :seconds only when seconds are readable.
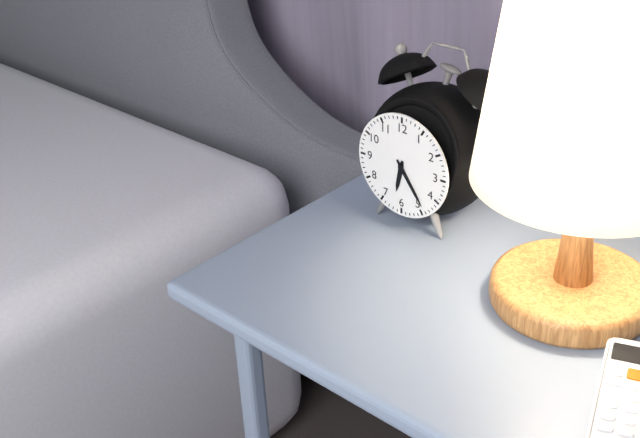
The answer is 6:24
